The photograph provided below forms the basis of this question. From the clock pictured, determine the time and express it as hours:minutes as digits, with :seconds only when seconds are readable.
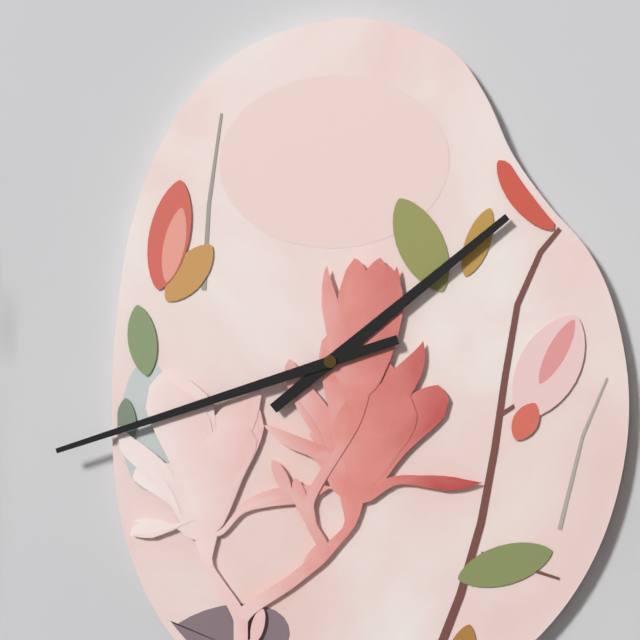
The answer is 1:42
